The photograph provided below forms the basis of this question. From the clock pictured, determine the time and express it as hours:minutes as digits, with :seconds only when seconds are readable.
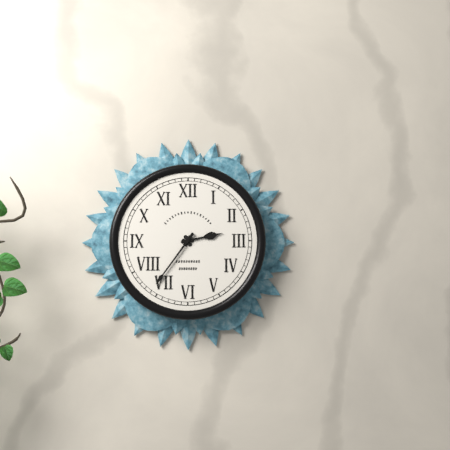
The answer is 2:36
